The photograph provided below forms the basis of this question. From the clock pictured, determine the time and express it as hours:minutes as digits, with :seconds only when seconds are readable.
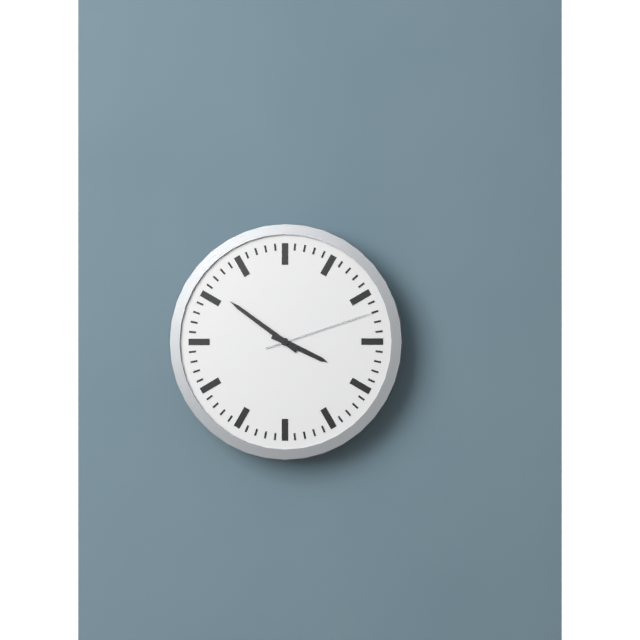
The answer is 3:51:12
